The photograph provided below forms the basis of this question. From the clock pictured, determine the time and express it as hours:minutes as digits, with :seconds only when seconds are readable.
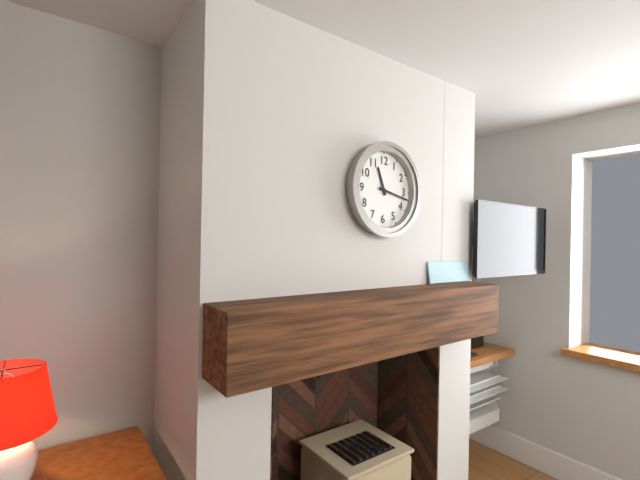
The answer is 11:17
